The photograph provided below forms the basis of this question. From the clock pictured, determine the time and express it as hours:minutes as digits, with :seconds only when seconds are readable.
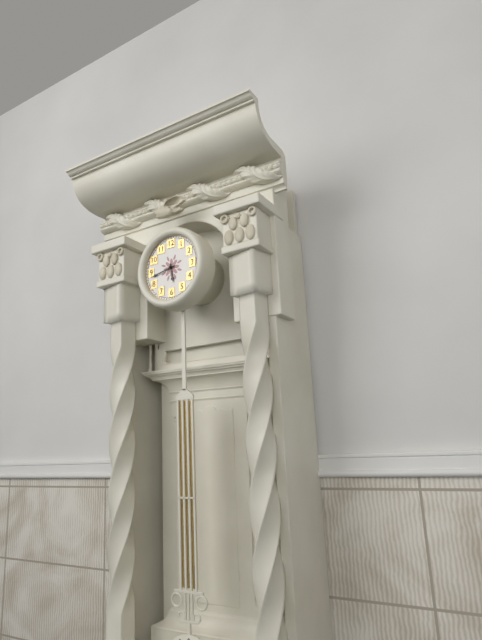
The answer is 5:43
